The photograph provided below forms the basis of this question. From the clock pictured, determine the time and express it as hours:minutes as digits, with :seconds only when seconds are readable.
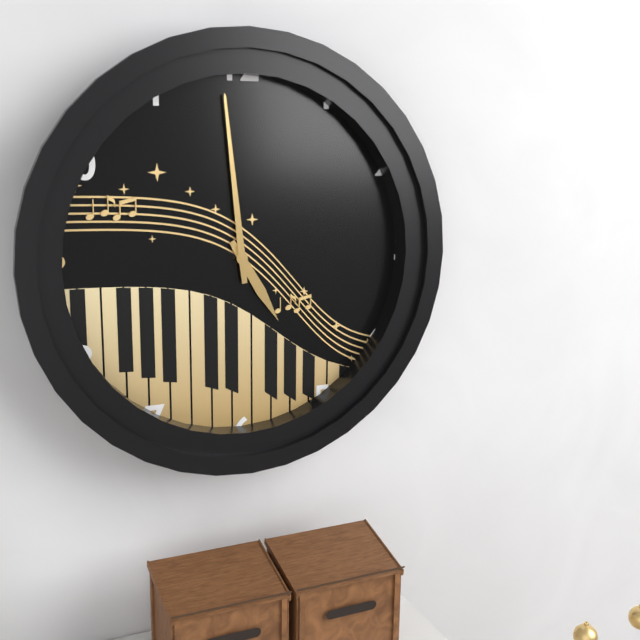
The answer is 4:59
